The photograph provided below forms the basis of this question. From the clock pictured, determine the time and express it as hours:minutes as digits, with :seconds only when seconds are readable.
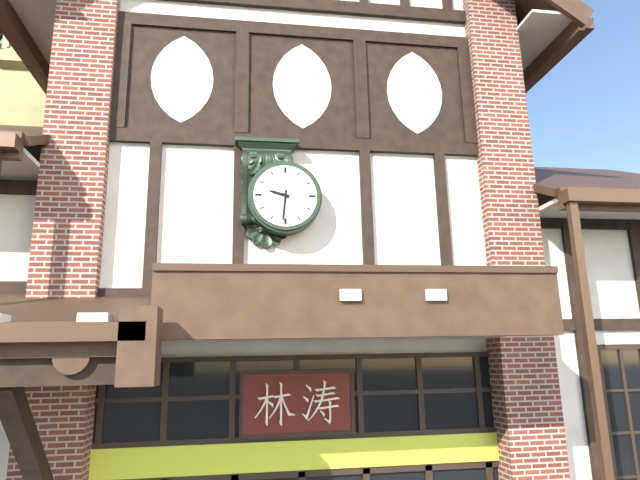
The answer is 9:31
